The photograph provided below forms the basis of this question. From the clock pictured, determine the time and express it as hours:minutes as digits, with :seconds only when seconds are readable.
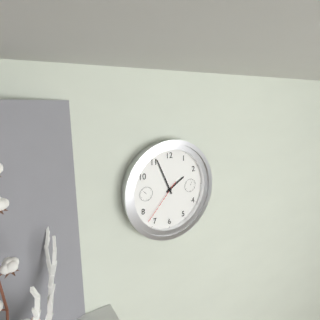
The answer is 1:56
